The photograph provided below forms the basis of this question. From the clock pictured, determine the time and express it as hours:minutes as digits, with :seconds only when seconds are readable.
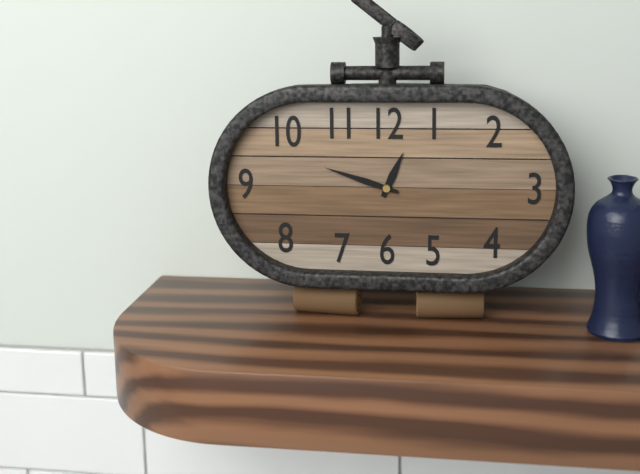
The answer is 12:48
